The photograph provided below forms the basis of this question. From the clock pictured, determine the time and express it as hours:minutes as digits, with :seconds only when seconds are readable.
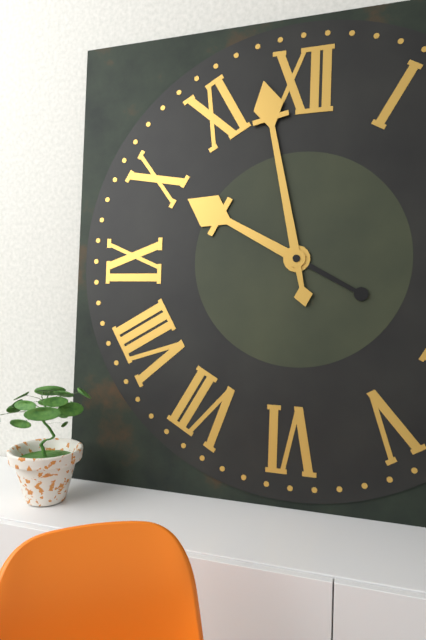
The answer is 9:58
